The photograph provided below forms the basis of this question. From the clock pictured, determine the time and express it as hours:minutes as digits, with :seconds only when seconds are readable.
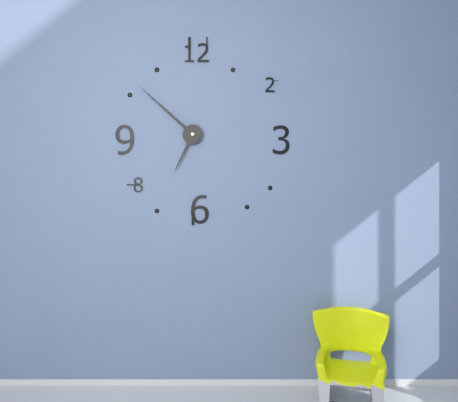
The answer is 6:52
